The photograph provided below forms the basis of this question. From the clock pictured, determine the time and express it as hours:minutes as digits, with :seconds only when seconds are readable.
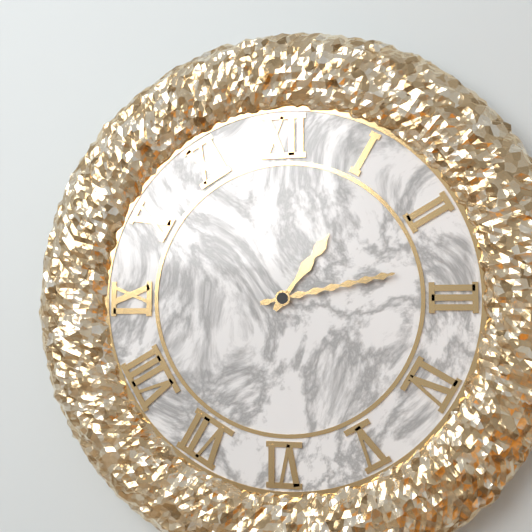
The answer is 1:13
